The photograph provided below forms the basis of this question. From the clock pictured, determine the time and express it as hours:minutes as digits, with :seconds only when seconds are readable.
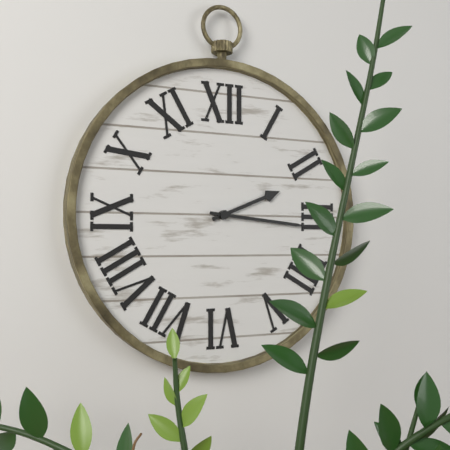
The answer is 2:16
